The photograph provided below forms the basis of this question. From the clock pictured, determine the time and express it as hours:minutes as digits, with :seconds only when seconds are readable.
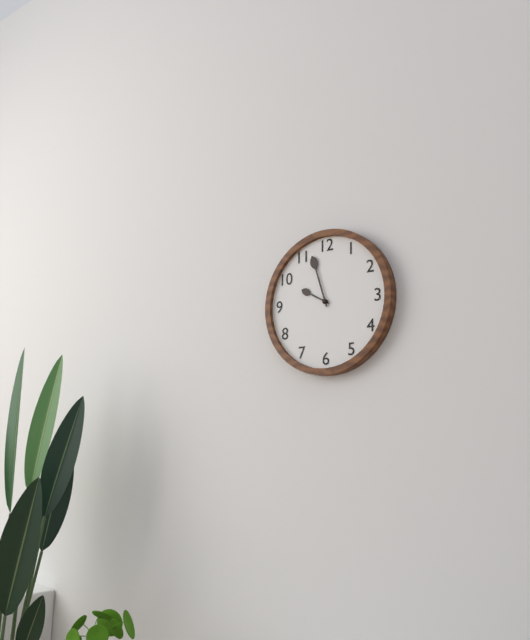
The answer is 9:57
